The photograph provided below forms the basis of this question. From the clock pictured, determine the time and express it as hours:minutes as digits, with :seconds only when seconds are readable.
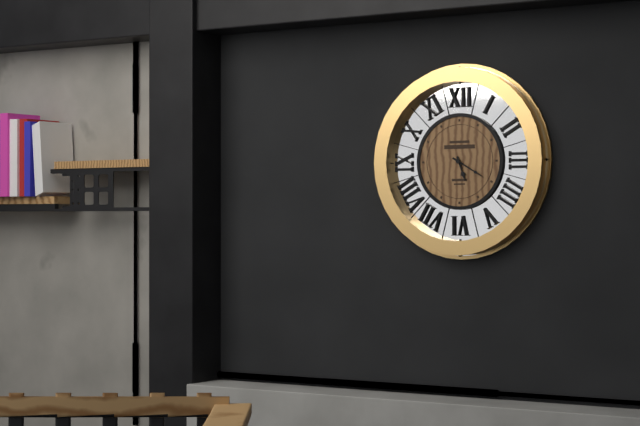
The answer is 5:20
